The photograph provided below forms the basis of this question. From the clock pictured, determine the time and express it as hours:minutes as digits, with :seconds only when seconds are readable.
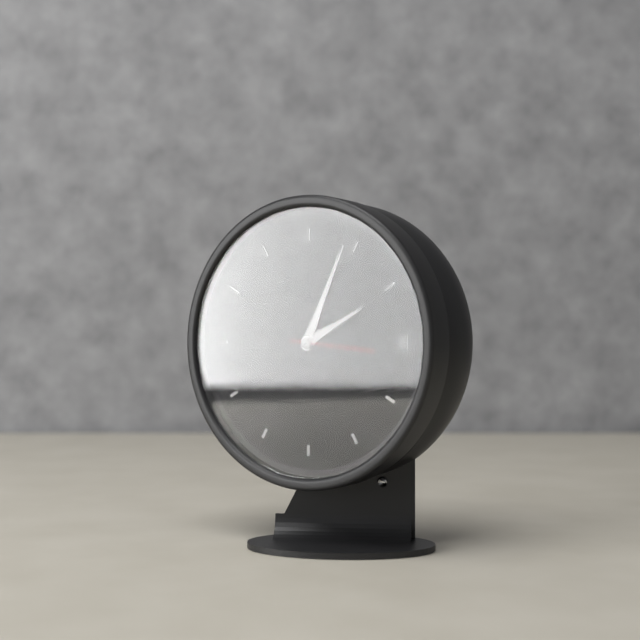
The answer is 2:04:16
